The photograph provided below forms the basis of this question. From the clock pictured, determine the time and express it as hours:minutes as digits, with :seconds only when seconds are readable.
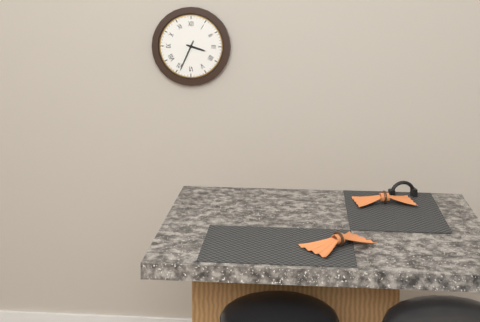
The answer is 3:34
